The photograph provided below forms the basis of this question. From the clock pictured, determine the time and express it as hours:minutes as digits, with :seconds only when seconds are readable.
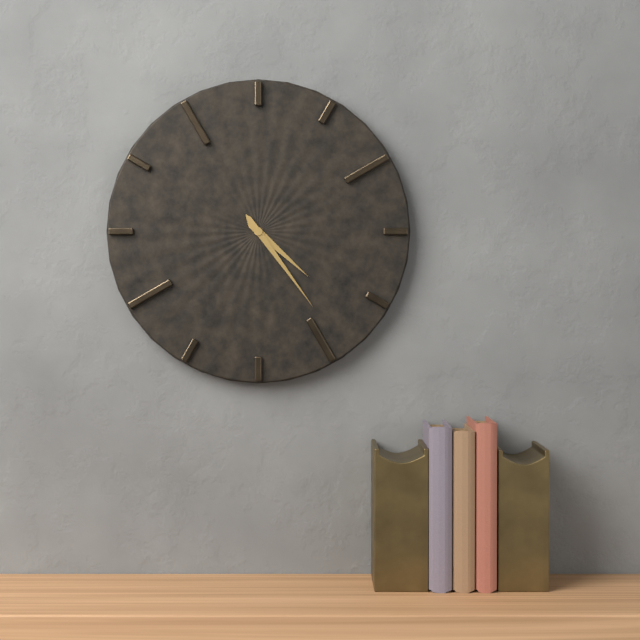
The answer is 4:24
